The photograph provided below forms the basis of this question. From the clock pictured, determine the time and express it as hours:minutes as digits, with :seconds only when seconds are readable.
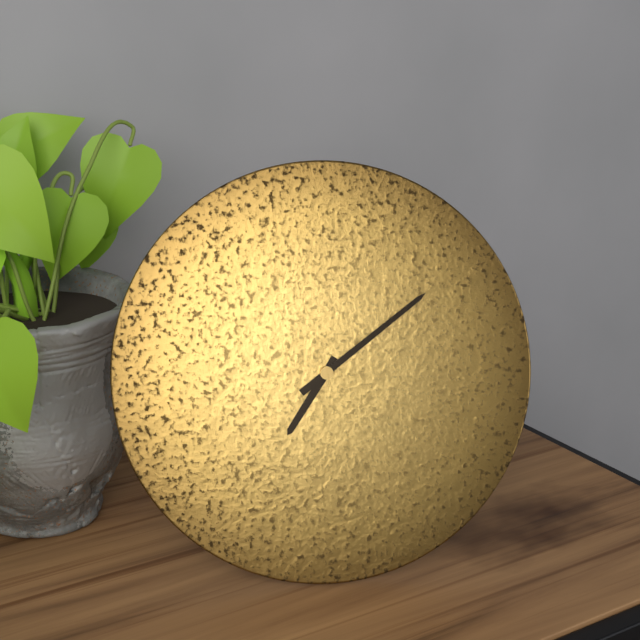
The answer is 7:09
